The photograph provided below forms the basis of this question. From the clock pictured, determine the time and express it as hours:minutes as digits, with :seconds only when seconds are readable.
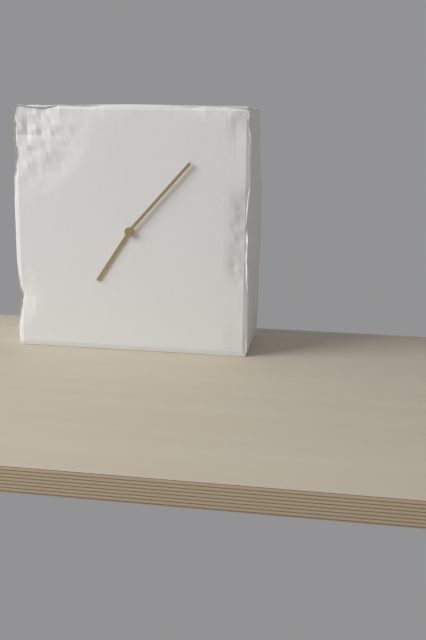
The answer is 7:07
